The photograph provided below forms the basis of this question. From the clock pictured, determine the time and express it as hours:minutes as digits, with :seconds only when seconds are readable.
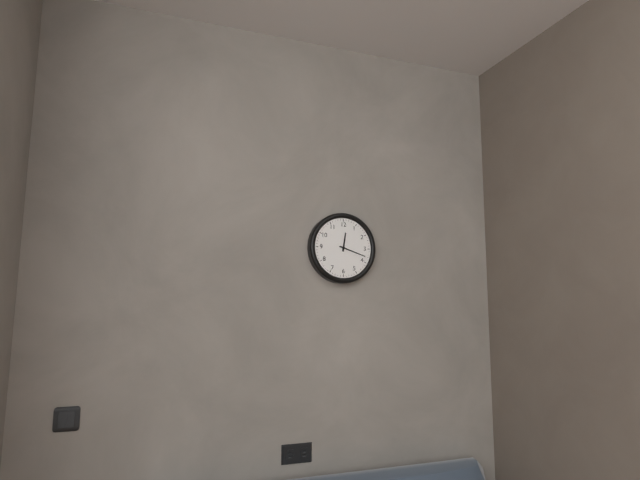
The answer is 12:18
